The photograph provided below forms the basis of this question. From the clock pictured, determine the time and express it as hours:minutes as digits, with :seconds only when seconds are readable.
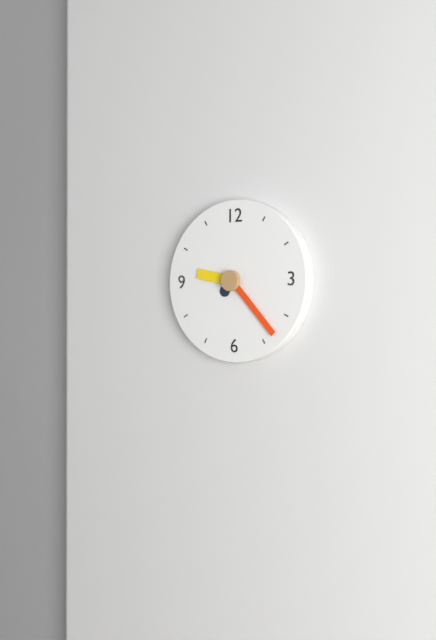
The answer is 9:23
